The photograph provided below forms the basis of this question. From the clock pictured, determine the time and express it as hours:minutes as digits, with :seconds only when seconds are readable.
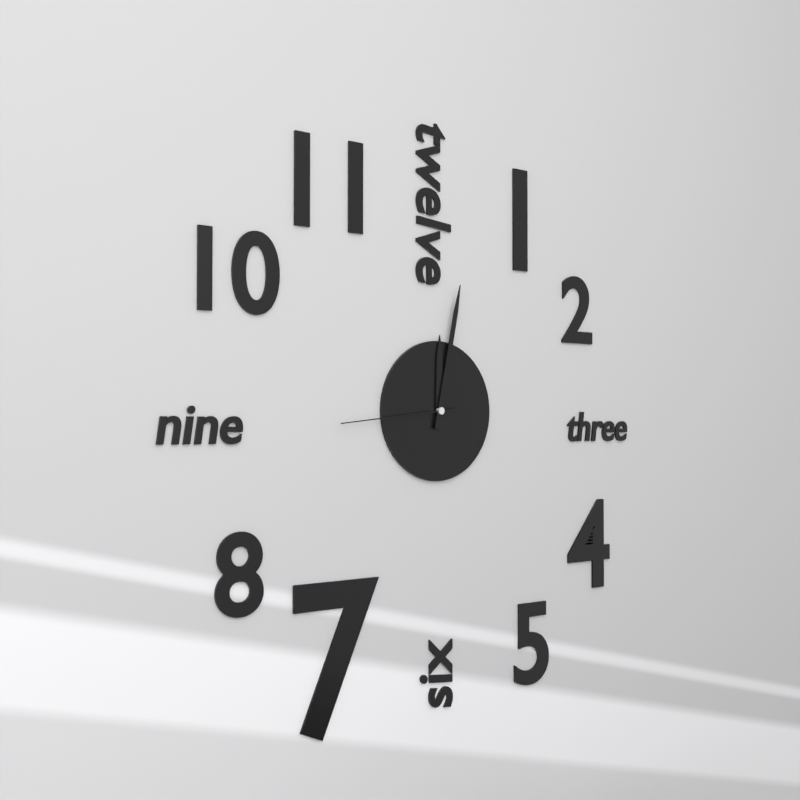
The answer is 12:02:44
